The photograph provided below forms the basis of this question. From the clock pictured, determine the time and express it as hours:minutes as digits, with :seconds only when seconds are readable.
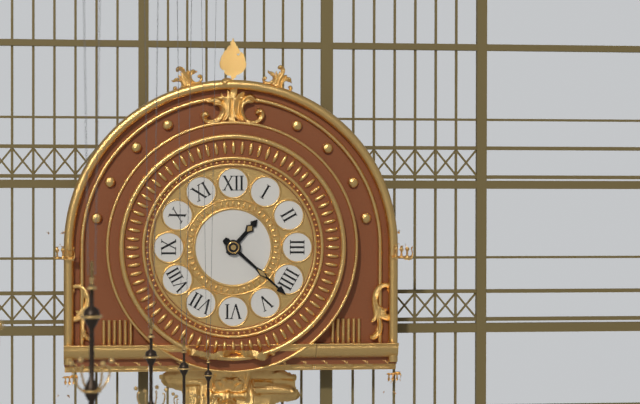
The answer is 1:22
